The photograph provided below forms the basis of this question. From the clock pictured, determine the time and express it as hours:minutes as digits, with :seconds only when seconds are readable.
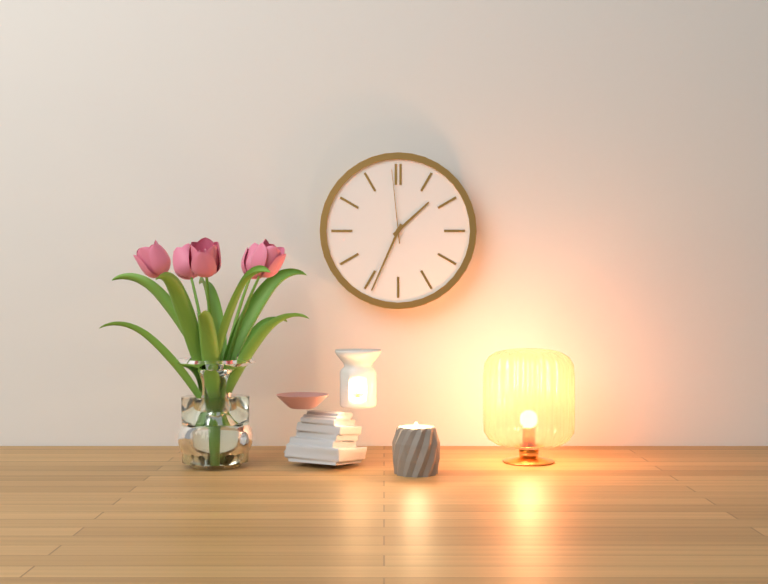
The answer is 1:34:59
